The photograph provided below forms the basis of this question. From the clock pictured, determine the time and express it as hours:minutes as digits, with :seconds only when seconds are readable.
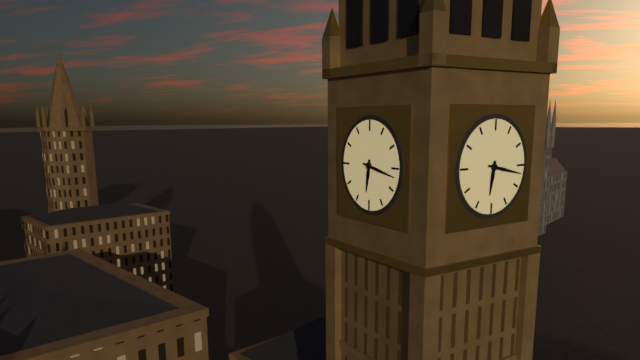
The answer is 6:17
